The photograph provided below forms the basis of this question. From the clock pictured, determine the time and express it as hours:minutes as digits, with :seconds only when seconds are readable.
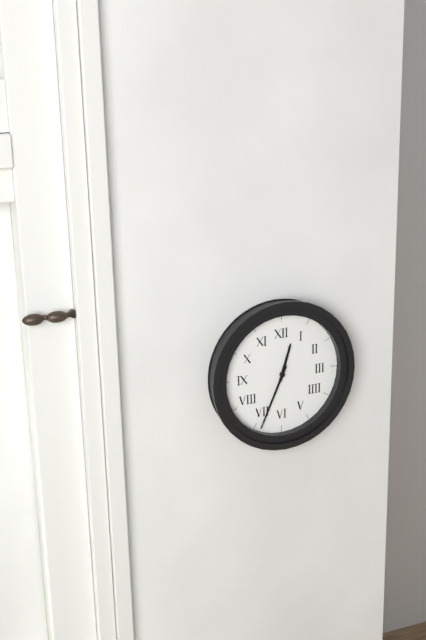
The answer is 12:34
